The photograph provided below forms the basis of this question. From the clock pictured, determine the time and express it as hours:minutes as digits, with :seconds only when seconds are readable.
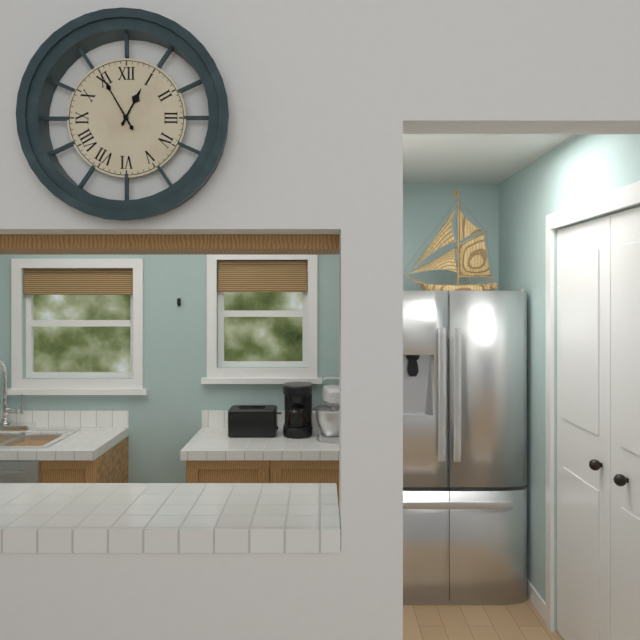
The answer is 12:55
